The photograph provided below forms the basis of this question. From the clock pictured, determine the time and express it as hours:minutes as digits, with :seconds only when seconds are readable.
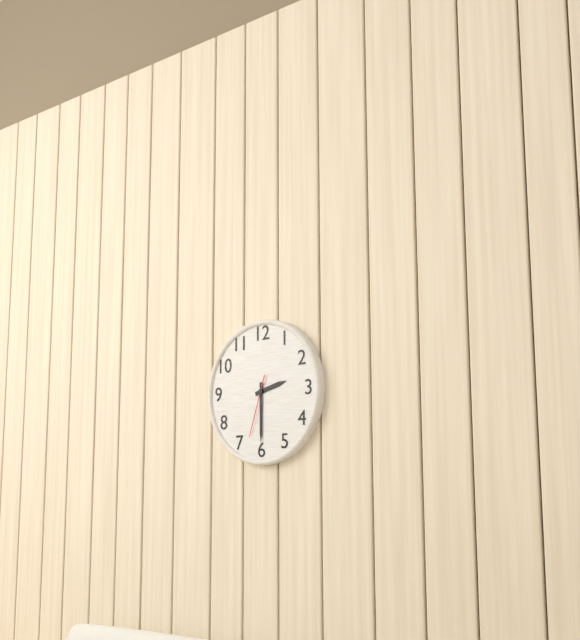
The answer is 2:30:33
